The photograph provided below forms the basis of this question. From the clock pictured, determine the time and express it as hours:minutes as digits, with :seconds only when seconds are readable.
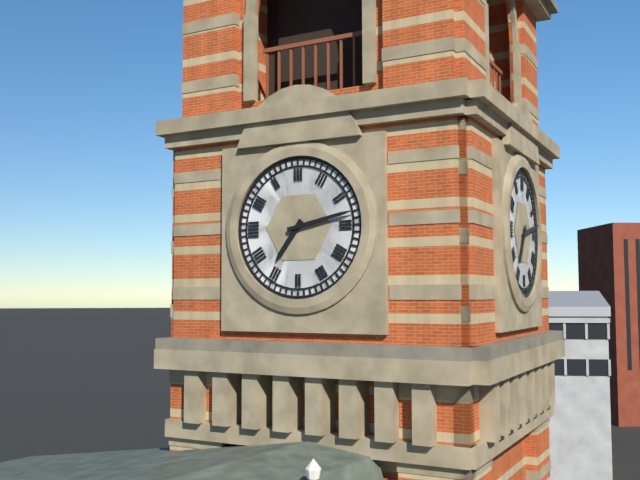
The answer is 7:13
